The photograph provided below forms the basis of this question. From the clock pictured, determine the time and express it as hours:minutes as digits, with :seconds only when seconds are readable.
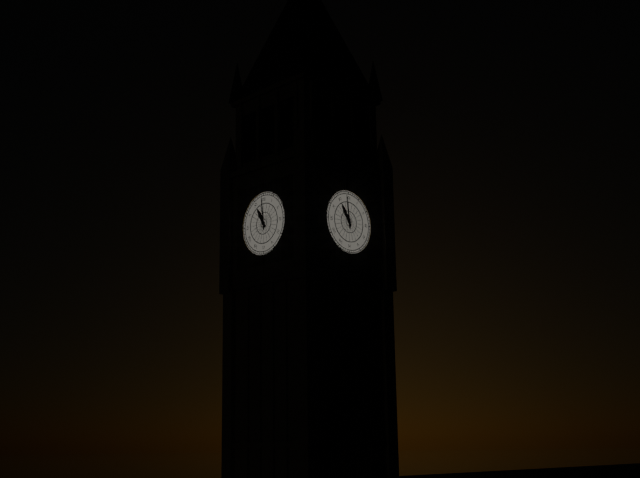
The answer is 10:59
